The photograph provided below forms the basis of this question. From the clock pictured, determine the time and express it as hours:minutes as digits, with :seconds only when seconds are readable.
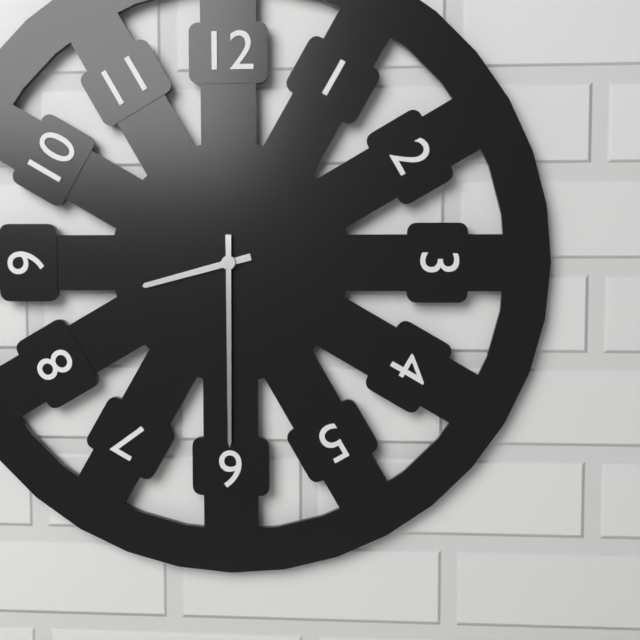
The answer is 8:30
